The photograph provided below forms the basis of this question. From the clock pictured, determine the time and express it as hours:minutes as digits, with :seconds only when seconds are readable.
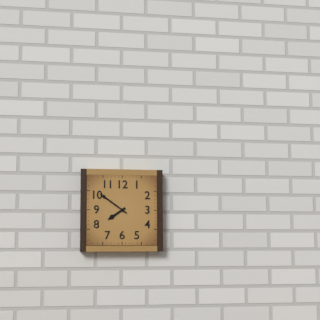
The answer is 7:51
